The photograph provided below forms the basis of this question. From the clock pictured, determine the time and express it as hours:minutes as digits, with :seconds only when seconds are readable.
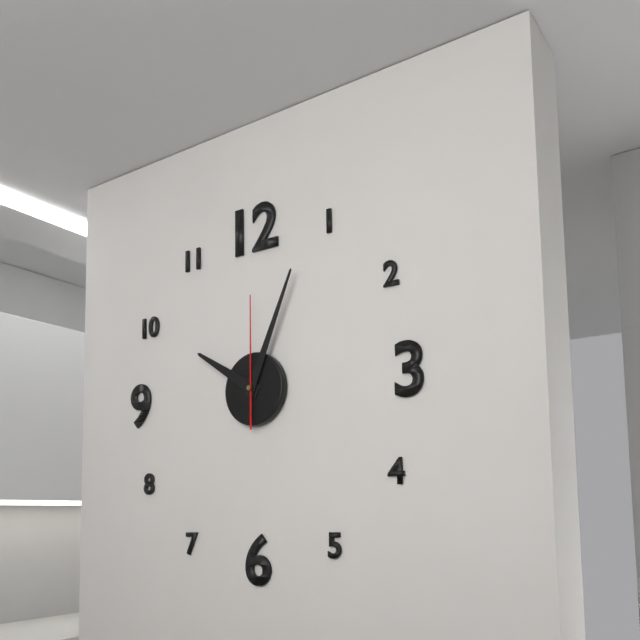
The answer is 10:04:00
